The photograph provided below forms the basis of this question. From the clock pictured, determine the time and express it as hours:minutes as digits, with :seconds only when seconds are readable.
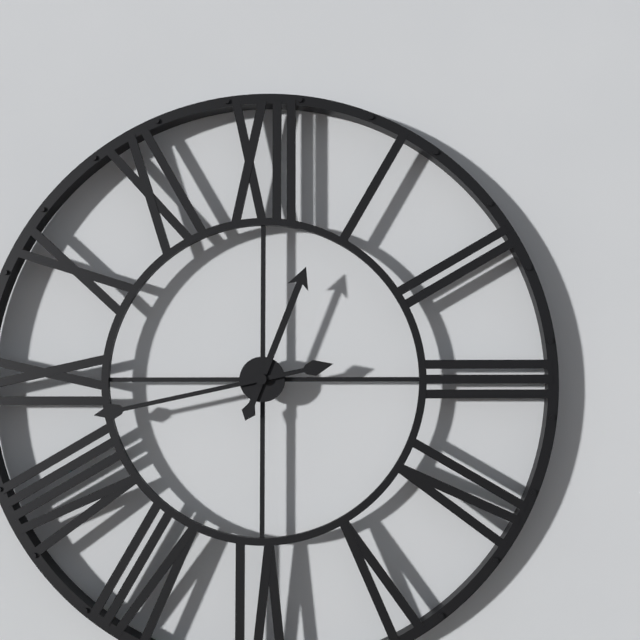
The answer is 12:43
